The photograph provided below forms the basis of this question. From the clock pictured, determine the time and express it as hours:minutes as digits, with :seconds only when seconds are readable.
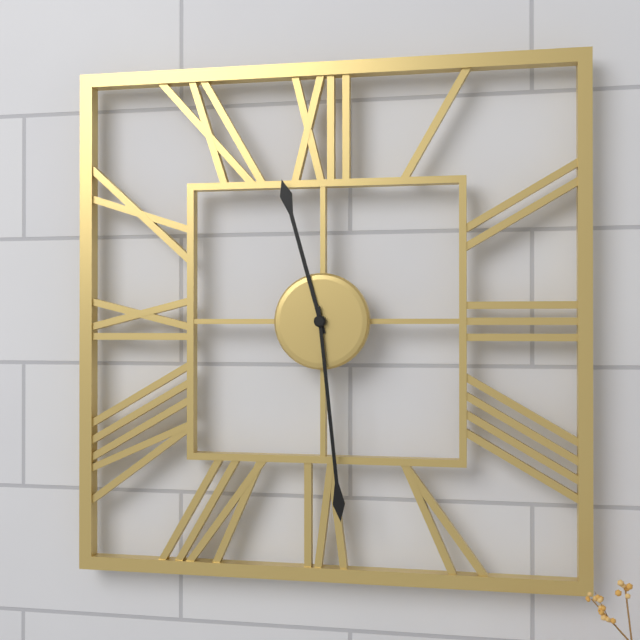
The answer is 11:29
